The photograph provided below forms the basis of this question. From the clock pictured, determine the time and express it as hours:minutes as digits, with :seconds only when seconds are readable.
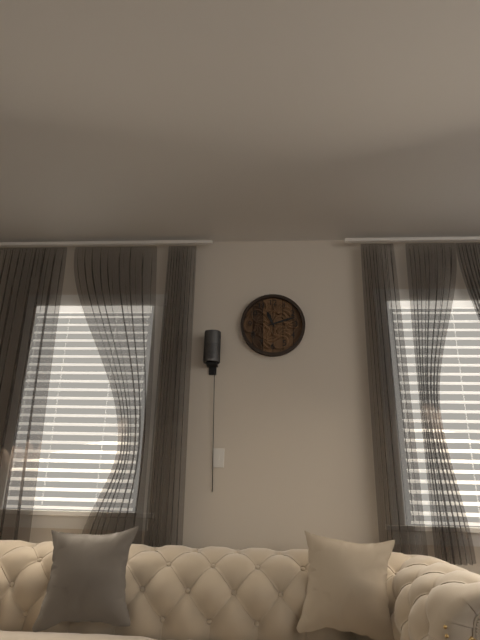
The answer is 11:12
